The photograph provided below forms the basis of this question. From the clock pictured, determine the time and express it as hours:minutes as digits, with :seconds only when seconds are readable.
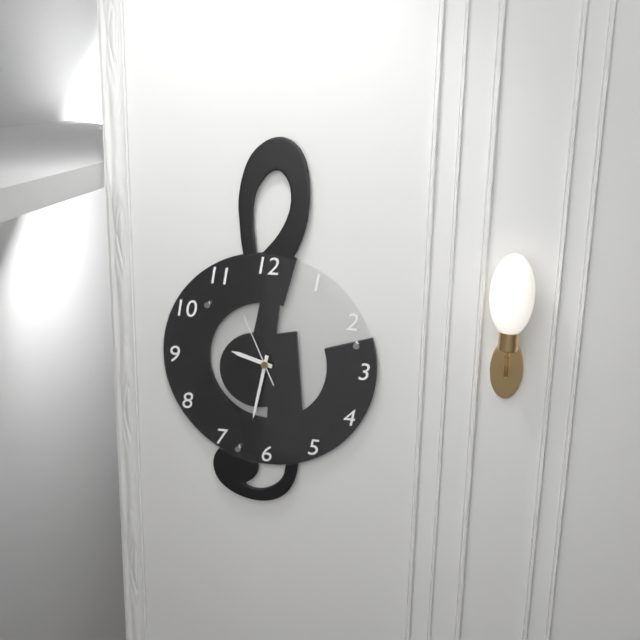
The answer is 9:32:56
